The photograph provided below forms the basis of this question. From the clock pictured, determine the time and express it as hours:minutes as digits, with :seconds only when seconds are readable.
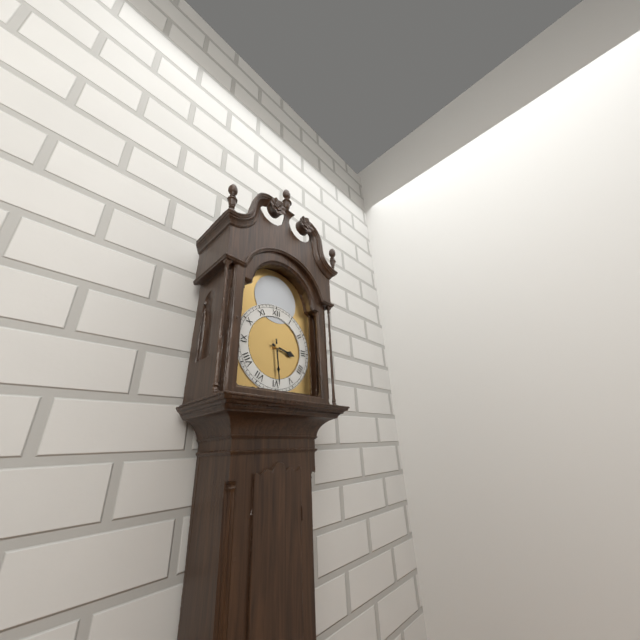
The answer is 3:29
